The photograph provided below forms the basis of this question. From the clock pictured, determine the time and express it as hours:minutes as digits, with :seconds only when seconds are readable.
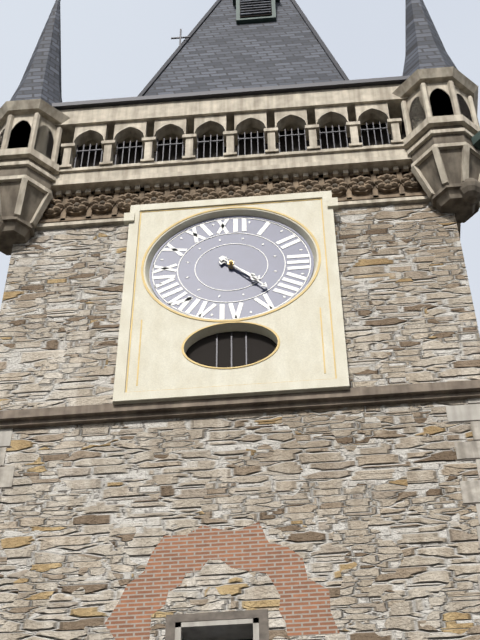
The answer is 4:23
